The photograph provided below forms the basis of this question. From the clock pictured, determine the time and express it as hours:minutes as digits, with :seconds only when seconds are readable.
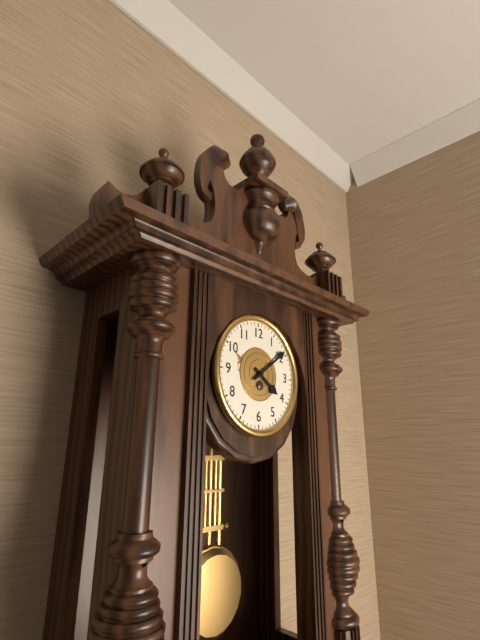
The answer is 4:09
